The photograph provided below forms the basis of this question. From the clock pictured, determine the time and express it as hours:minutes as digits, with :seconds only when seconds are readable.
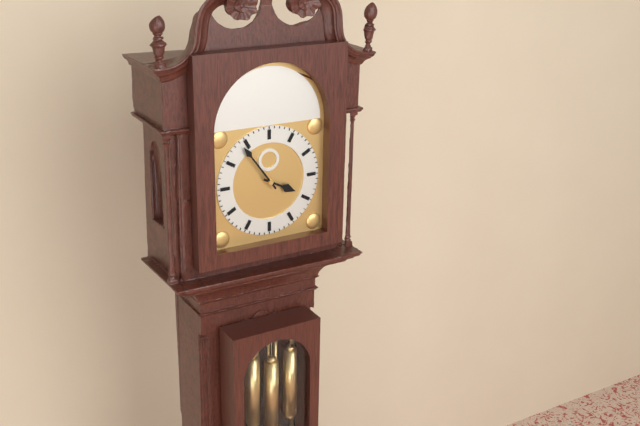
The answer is 3:54
